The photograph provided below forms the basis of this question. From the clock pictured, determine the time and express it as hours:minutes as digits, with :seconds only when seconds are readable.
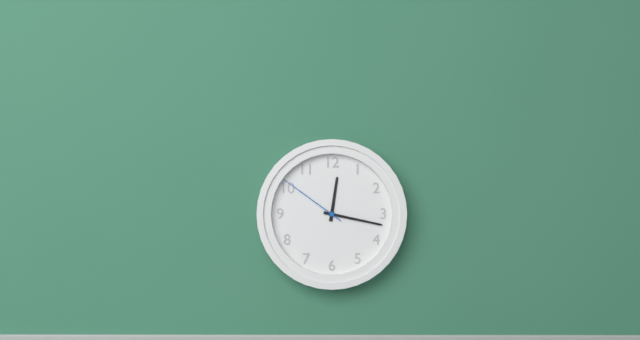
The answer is 12:17:51
